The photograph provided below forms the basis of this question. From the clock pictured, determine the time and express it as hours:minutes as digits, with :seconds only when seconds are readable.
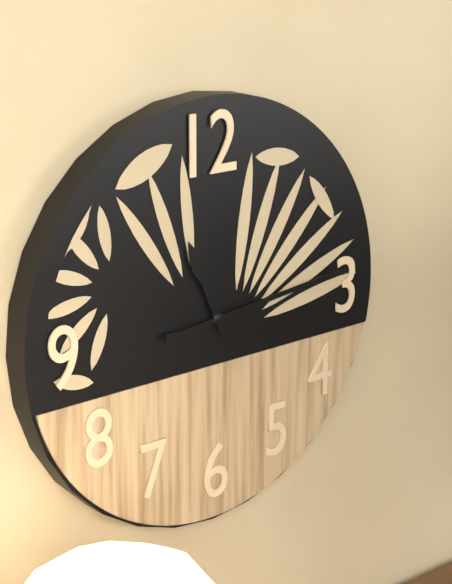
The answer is 11:14
